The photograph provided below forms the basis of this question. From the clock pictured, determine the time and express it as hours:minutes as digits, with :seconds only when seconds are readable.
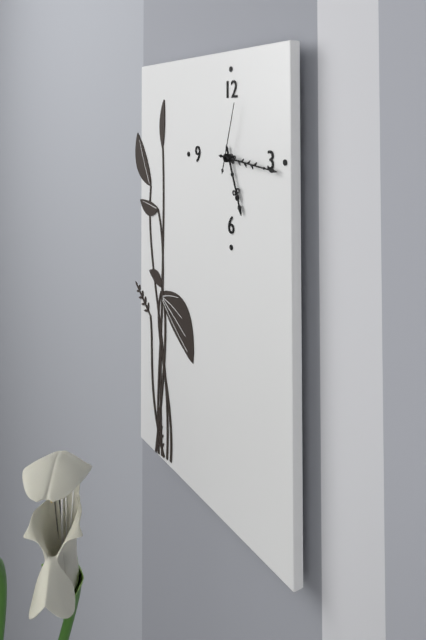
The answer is 5:16:03
